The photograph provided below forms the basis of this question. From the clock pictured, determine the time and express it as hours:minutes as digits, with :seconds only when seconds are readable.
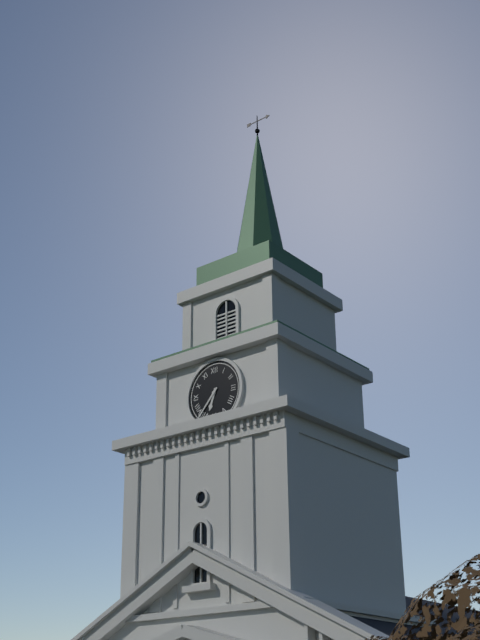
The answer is 6:37
